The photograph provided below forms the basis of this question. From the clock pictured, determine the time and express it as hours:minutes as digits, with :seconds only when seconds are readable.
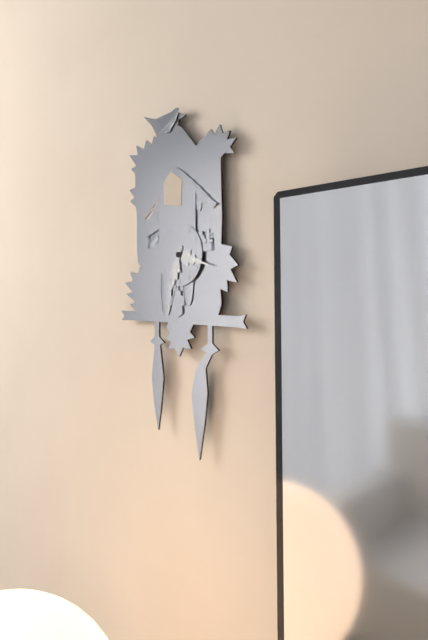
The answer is 3:33
